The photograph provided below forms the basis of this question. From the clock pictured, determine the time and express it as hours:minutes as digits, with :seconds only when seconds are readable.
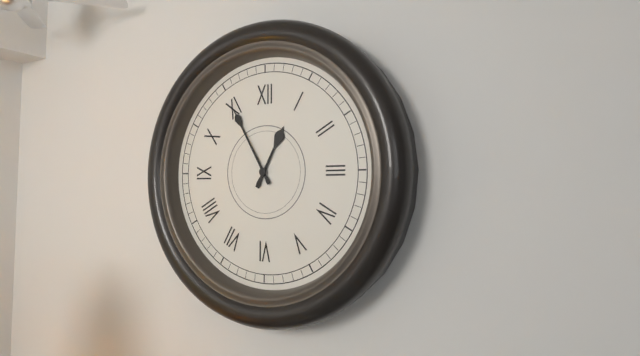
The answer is 12:55
